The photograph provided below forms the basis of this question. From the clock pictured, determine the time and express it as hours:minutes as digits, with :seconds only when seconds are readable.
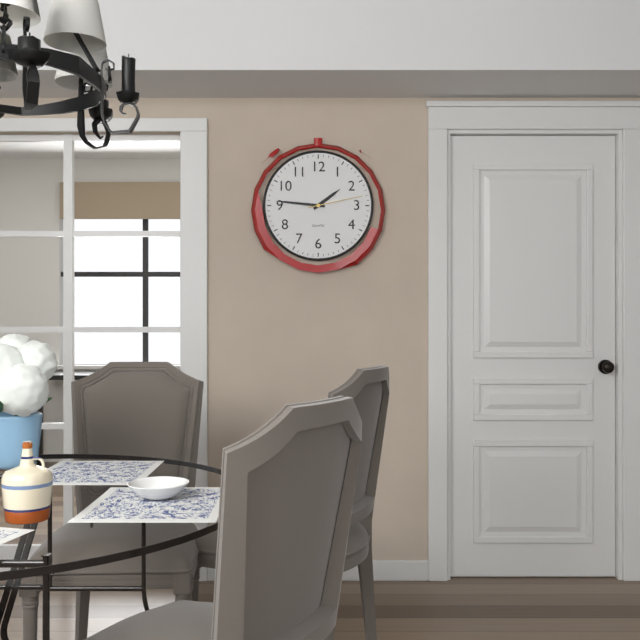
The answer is 1:46:13
